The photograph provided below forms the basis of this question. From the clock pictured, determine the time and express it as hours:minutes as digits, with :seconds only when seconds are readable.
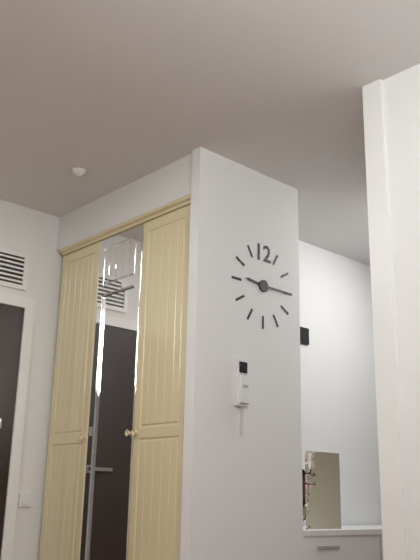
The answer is 9:15
